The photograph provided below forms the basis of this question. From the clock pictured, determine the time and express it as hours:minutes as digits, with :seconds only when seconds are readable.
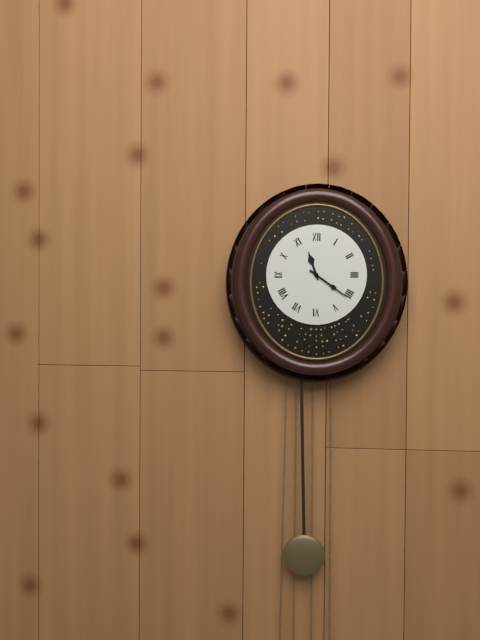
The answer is 11:21
